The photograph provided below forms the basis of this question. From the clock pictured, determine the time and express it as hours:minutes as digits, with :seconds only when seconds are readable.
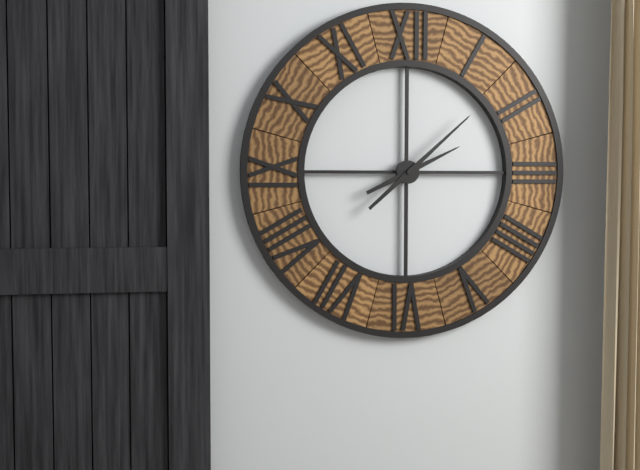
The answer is 2:08
